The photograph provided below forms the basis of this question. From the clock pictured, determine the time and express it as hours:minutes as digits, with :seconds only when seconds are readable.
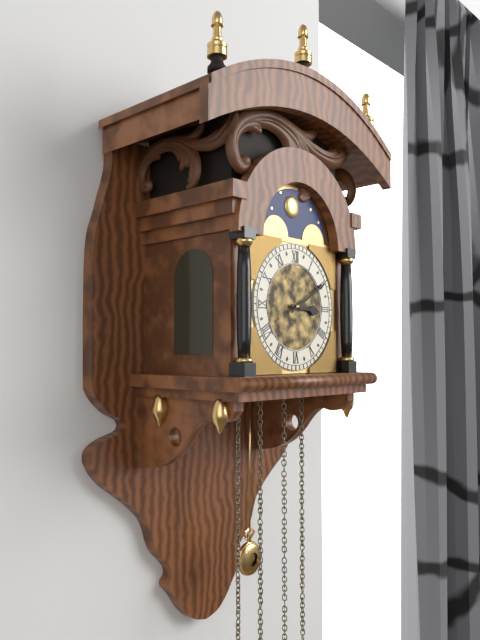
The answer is 3:10
